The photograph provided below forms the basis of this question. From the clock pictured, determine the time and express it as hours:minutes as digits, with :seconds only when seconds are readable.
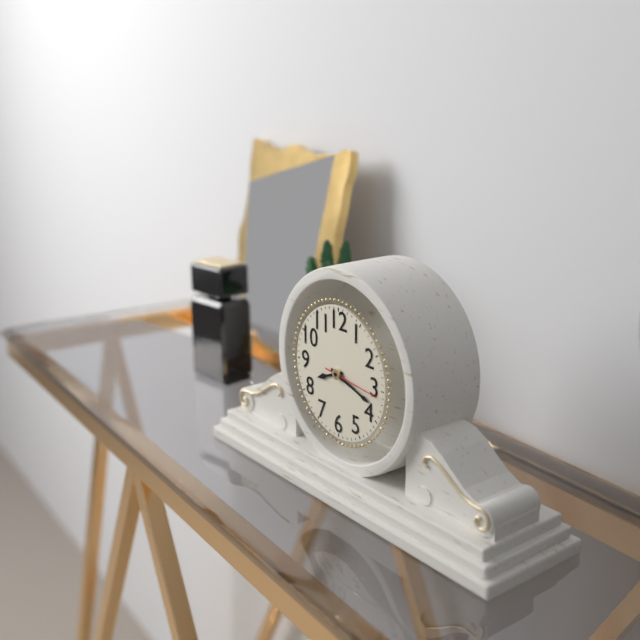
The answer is 8:18:16
